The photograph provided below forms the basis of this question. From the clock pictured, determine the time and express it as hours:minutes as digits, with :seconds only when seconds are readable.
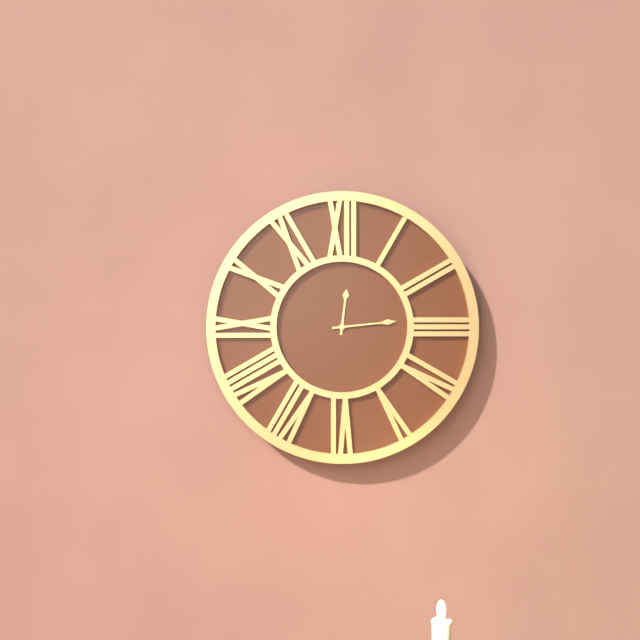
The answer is 12:14
